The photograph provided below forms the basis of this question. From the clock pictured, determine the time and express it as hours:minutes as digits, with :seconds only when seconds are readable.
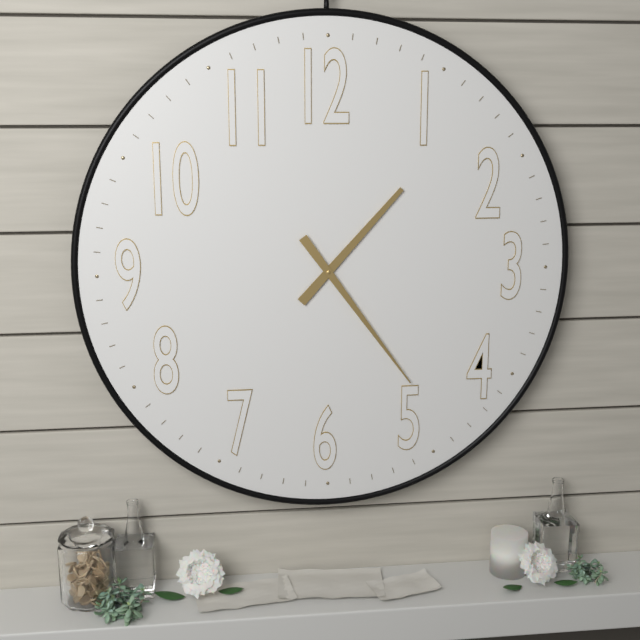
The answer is 1:24
